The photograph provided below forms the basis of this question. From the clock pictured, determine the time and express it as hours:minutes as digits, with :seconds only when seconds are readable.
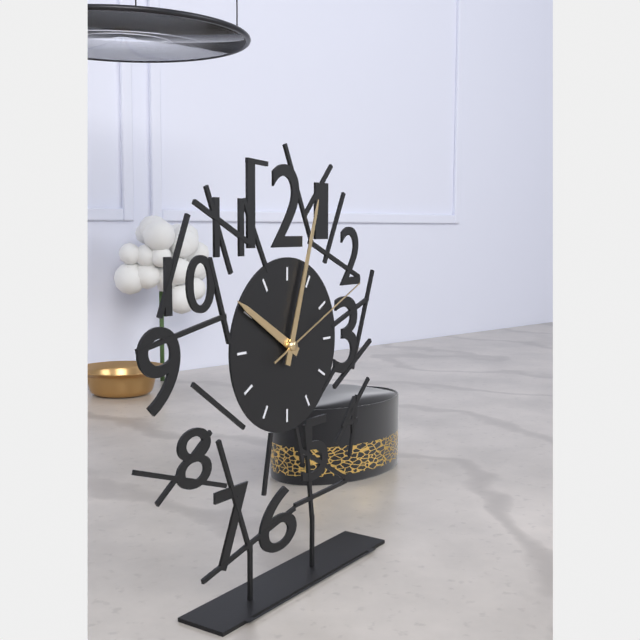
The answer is 10:03:11
